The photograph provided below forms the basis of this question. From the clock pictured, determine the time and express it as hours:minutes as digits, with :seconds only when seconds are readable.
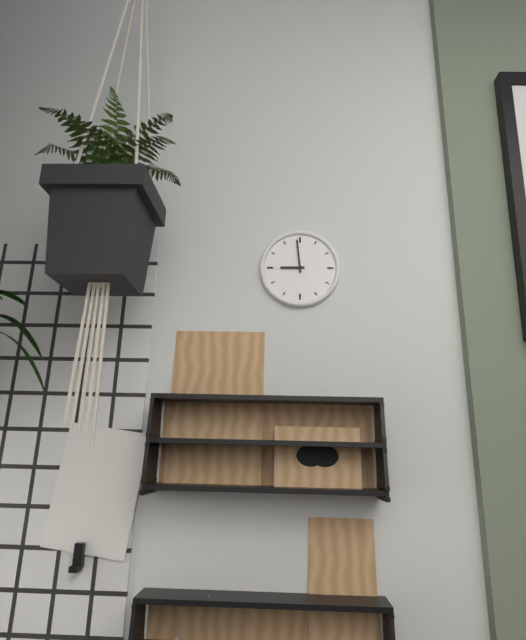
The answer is 8:59
